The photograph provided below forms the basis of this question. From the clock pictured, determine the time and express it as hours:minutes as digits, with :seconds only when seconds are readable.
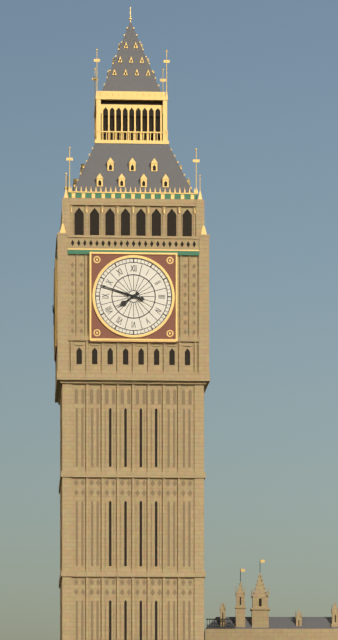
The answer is 7:48
